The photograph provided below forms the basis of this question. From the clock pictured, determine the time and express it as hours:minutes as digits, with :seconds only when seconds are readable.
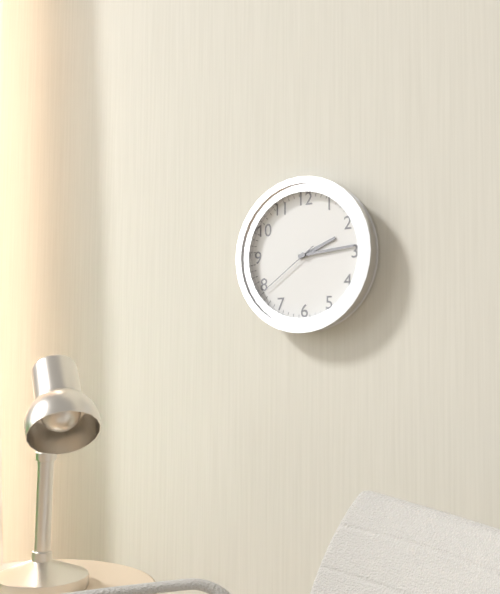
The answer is 2:14:39
